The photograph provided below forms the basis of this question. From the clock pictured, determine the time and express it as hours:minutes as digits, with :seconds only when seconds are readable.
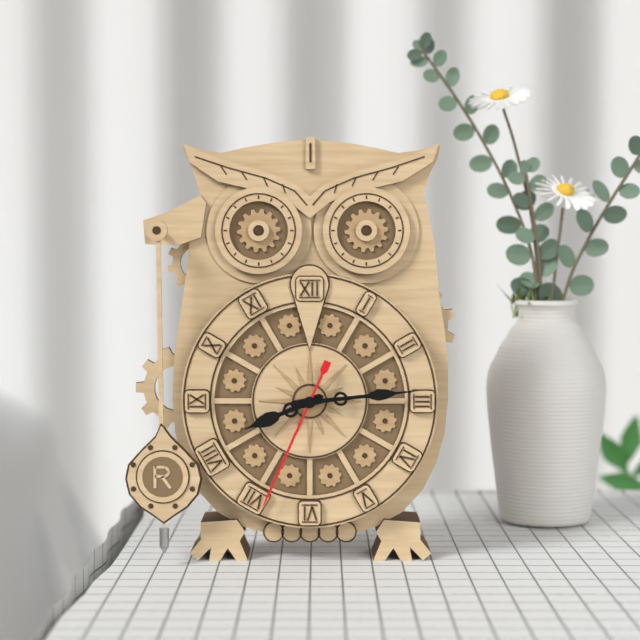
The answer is 8:14:34
